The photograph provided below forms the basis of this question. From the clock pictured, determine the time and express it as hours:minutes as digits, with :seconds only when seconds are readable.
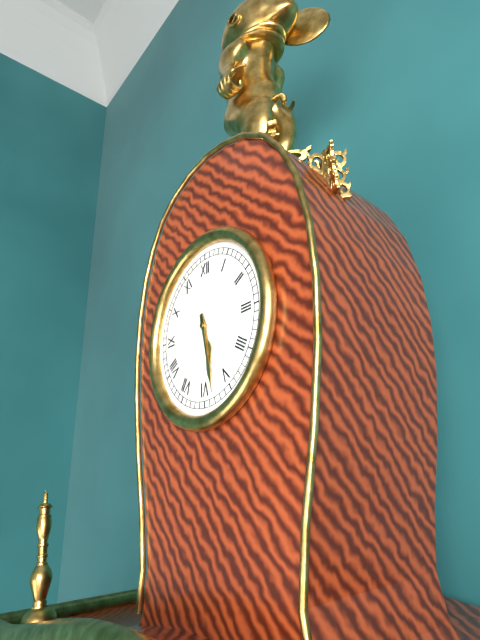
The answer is 5:28
